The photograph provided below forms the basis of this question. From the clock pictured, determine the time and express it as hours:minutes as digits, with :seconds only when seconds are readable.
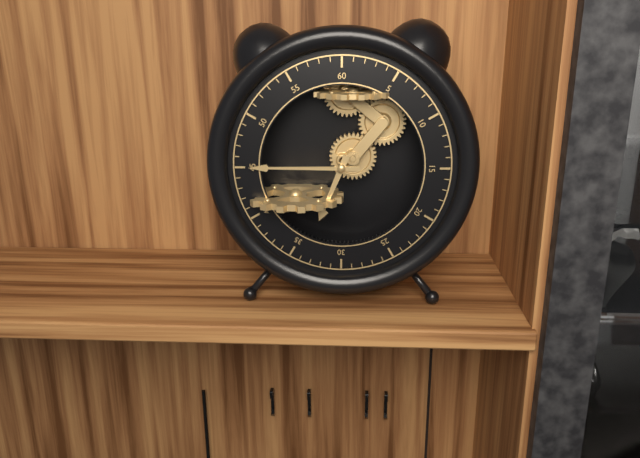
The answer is 6:45
